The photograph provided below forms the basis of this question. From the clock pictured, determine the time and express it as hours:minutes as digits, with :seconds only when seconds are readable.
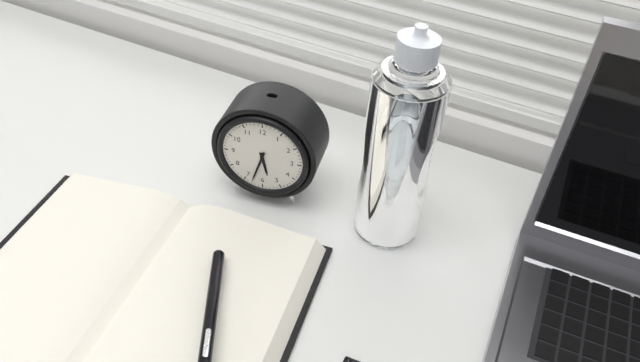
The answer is 5:33
